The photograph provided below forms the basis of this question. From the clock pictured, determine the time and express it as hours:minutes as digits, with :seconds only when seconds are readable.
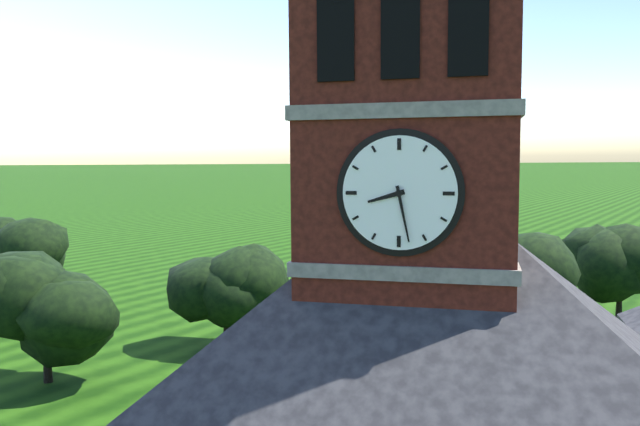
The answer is 8:28
